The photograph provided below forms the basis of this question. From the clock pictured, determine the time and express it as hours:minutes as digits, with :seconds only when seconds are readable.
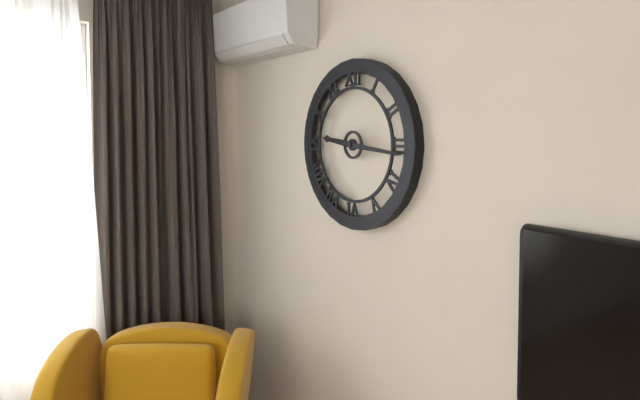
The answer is 9:16
